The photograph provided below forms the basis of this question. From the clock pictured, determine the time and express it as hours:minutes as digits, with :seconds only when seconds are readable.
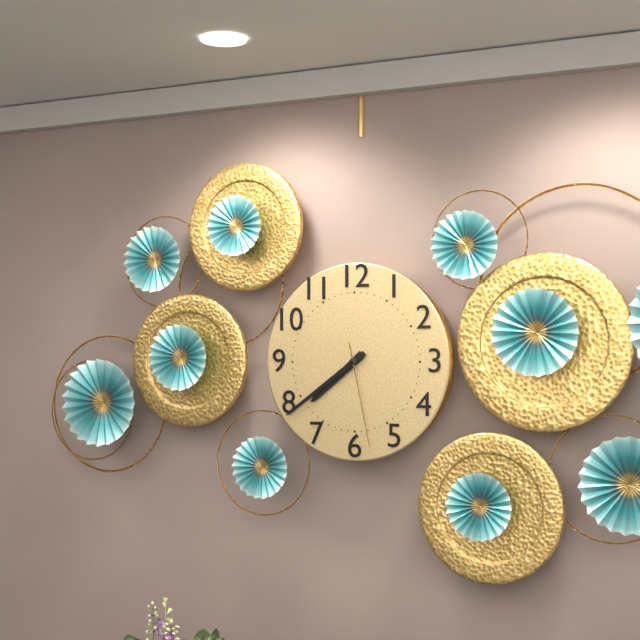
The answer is 7:39:28
